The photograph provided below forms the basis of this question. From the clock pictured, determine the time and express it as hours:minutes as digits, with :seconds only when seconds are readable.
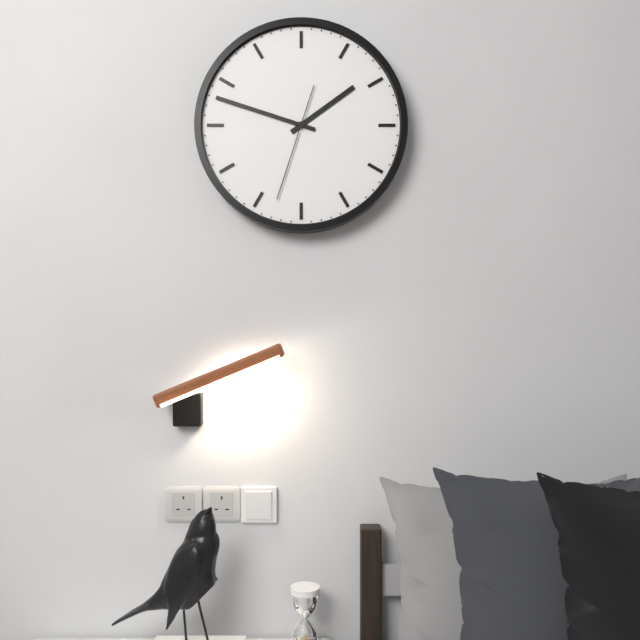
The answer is 1:48:33
